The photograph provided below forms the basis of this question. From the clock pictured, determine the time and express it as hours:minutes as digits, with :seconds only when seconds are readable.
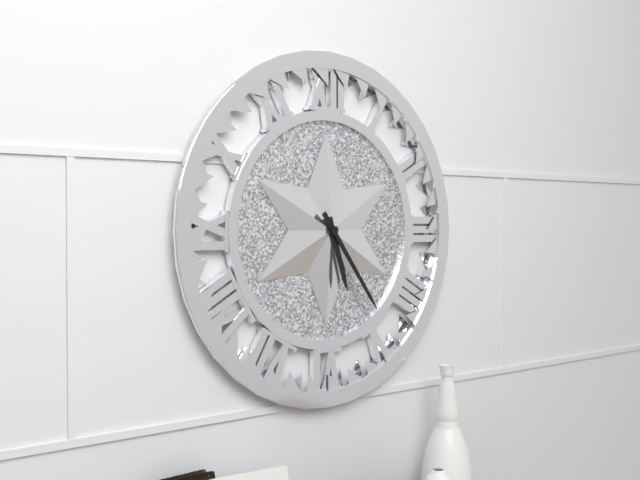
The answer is 5:24
